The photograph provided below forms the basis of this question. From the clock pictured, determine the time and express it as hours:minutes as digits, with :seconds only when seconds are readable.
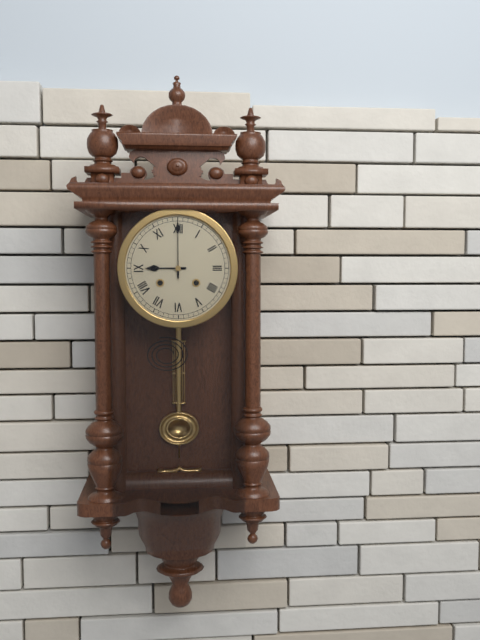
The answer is 9:00
